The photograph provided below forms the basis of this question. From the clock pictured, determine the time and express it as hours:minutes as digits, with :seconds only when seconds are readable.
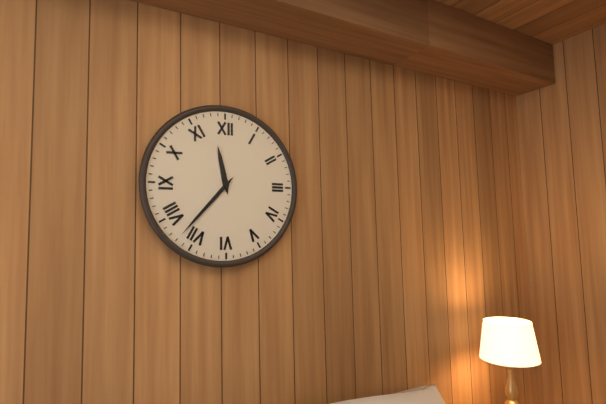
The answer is 11:37
